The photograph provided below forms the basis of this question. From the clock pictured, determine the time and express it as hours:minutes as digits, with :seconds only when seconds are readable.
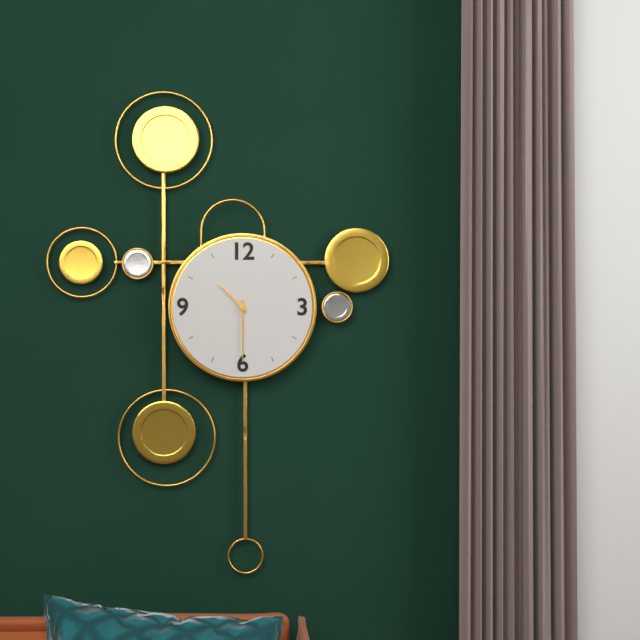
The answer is 10:30
